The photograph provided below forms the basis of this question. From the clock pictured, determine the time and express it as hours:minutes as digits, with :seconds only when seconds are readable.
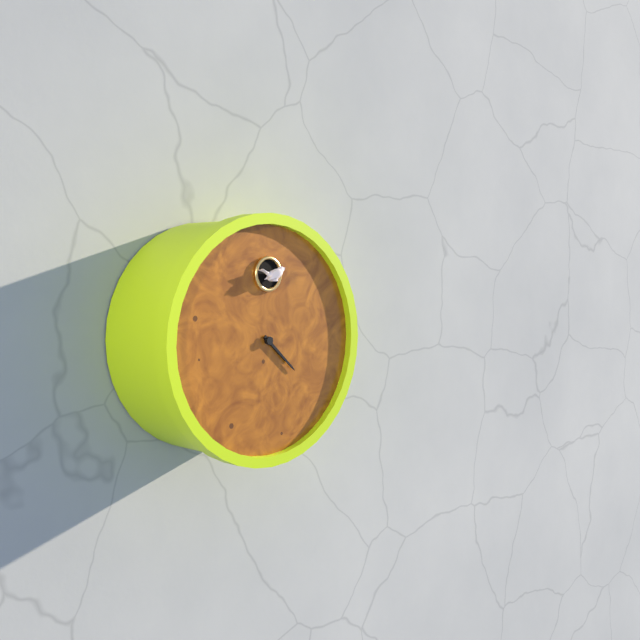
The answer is 4:22
